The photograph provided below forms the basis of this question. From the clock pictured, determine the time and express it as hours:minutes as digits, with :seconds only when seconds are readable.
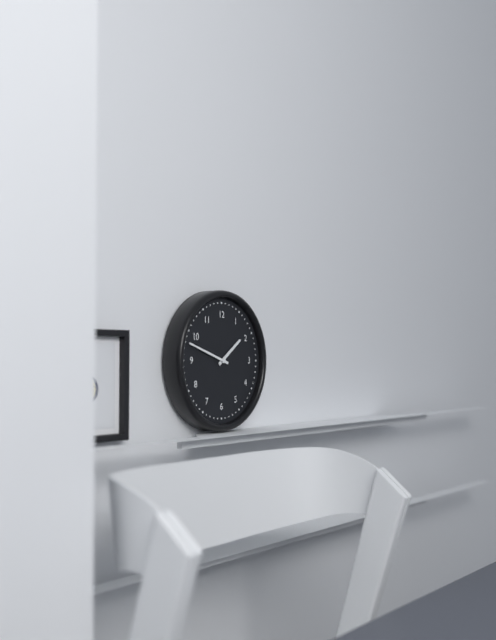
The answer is 1:48
